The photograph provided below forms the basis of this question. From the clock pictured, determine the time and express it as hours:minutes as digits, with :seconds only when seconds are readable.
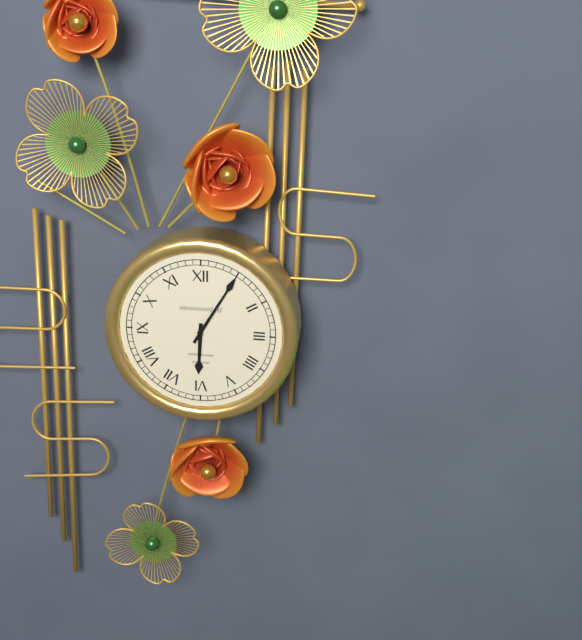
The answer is 6:05
